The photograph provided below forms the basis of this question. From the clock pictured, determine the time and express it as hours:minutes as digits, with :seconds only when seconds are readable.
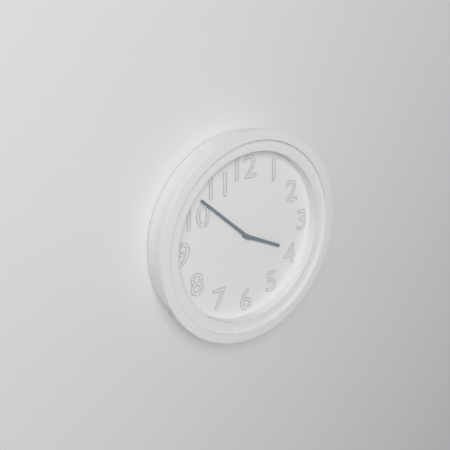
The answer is 3:52
